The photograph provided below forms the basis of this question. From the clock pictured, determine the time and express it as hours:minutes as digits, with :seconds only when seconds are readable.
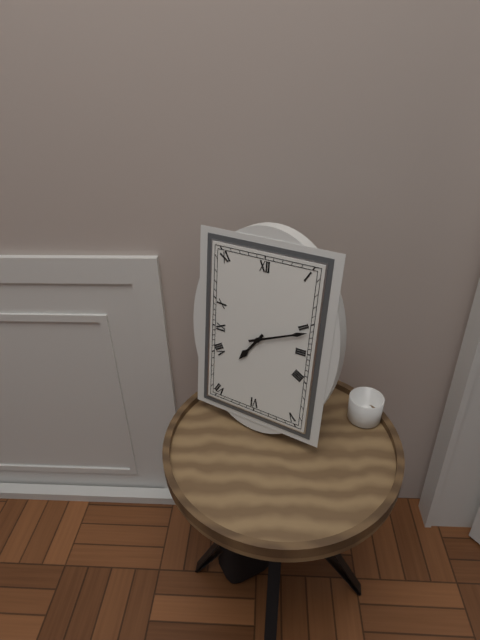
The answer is 7:11
